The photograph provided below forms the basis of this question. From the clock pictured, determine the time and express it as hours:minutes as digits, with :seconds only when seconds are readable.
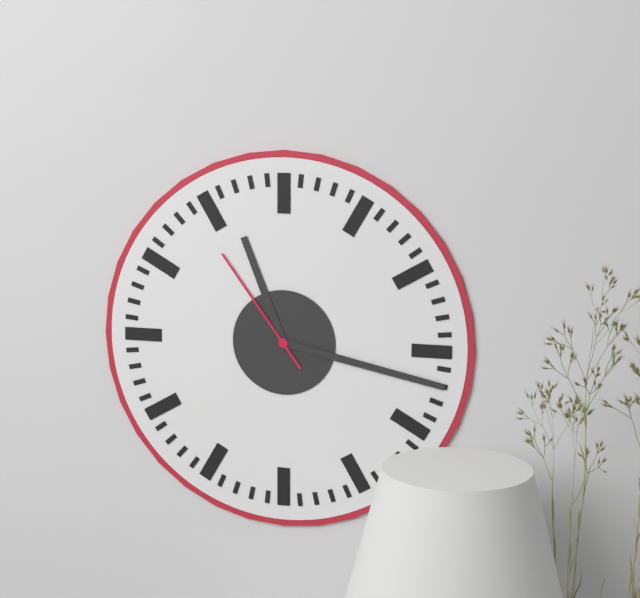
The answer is 11:17:54
